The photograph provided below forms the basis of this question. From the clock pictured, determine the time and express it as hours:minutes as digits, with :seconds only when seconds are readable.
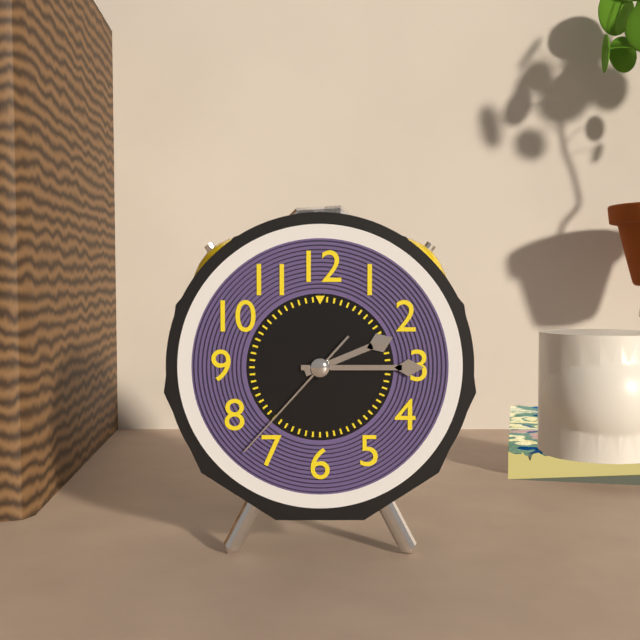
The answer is 2:15:37
